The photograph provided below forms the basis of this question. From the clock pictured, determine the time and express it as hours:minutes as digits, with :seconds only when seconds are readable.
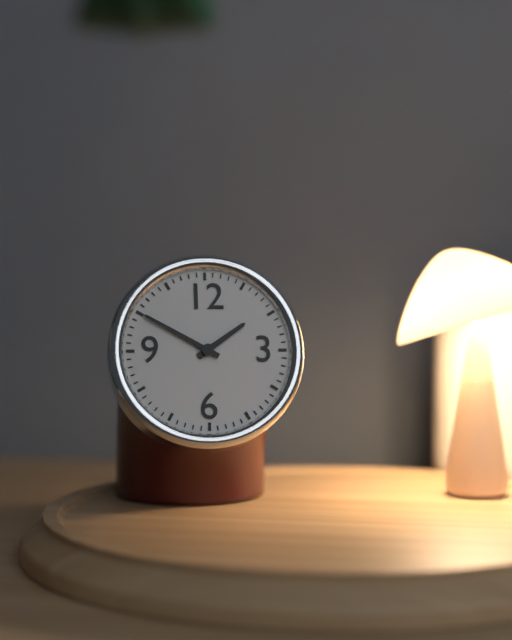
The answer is 1:50
